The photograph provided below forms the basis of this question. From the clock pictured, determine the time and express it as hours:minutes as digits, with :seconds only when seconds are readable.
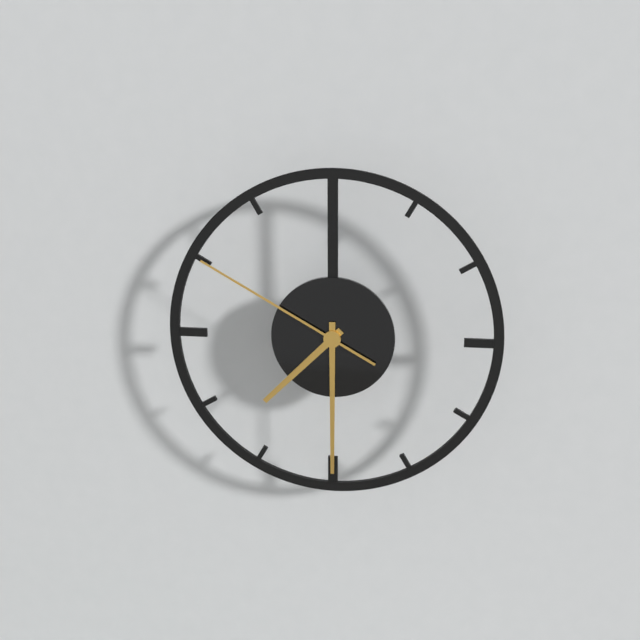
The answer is 7:30:50
